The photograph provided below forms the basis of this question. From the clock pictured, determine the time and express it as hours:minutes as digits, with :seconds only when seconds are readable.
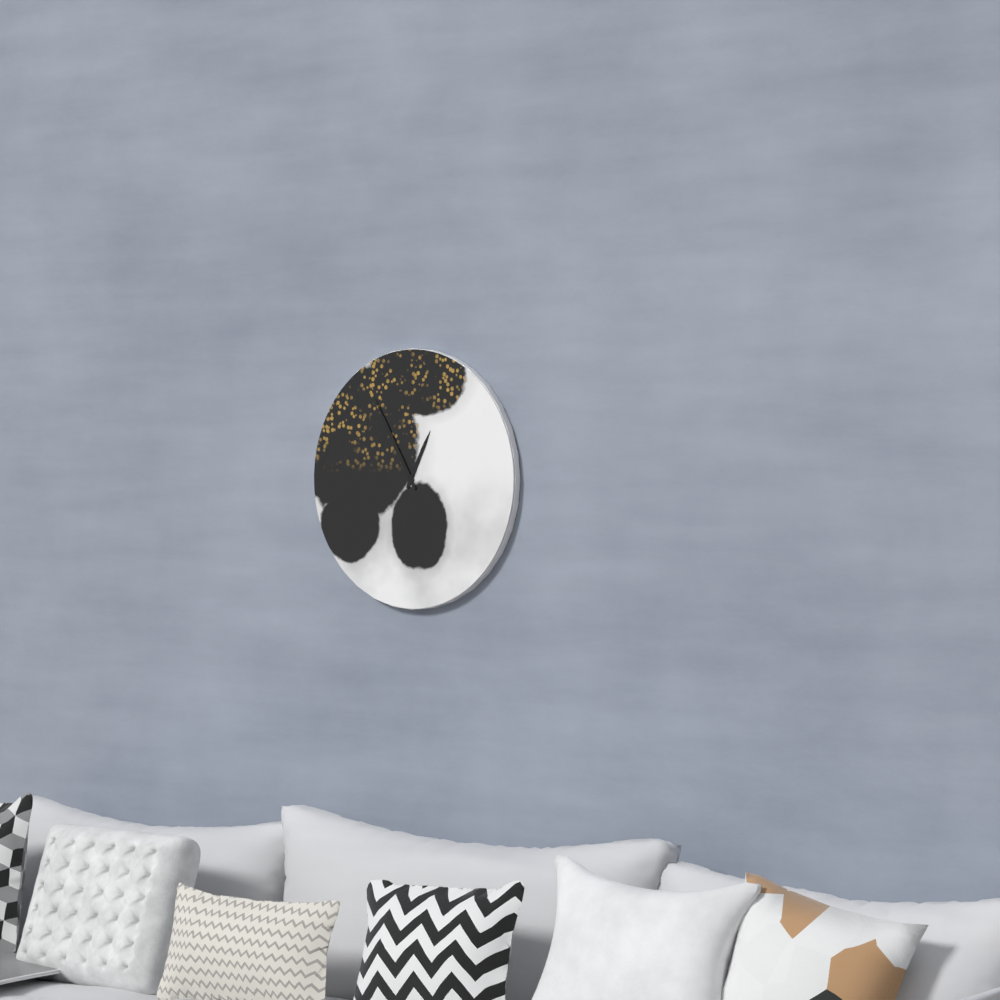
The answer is 12:55
